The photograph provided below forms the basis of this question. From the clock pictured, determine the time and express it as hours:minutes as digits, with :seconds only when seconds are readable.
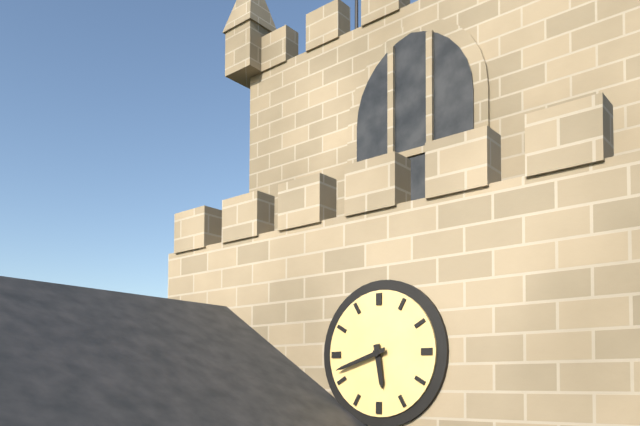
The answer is 5:42
